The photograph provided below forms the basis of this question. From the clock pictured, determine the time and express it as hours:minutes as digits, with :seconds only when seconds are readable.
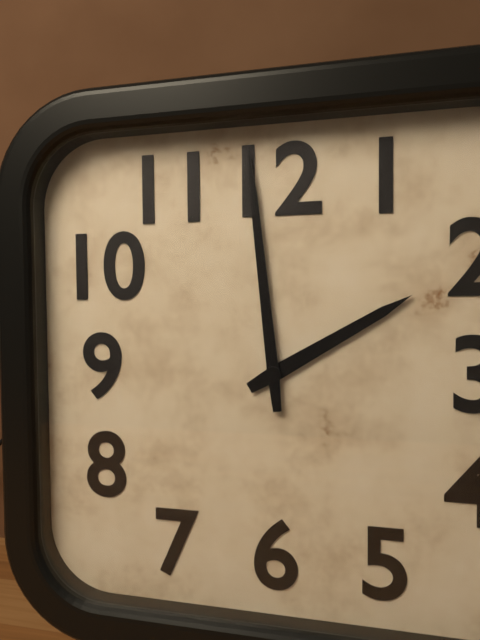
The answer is 1:59
